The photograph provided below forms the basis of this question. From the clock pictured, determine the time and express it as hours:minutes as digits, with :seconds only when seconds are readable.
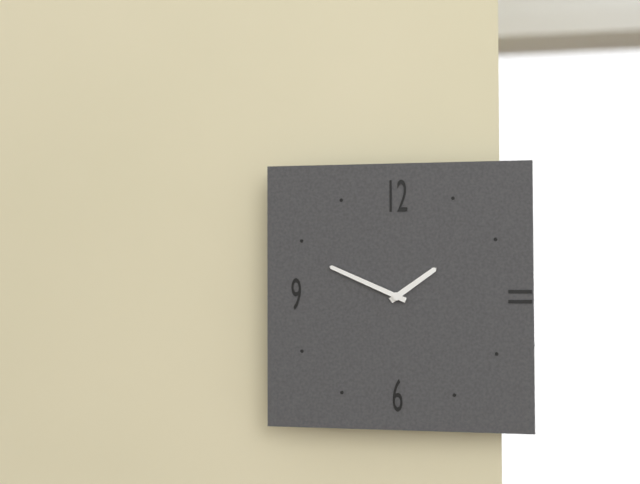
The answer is 1:49
